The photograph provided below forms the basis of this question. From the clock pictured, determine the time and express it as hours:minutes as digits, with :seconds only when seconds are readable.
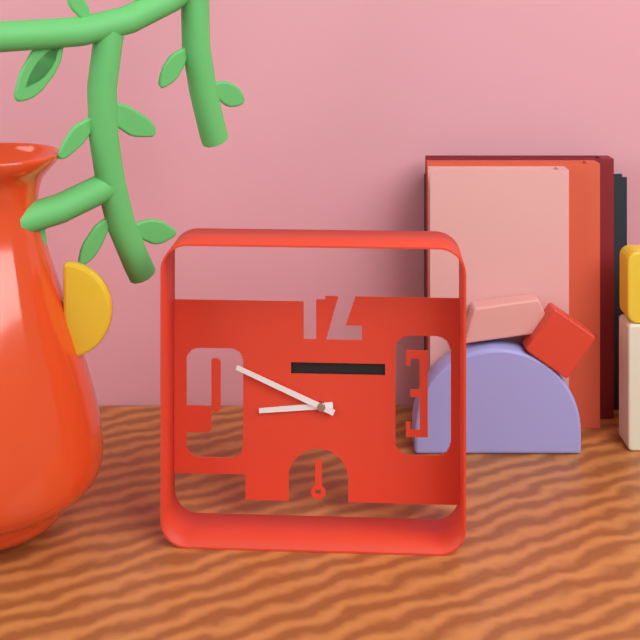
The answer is 8:49
